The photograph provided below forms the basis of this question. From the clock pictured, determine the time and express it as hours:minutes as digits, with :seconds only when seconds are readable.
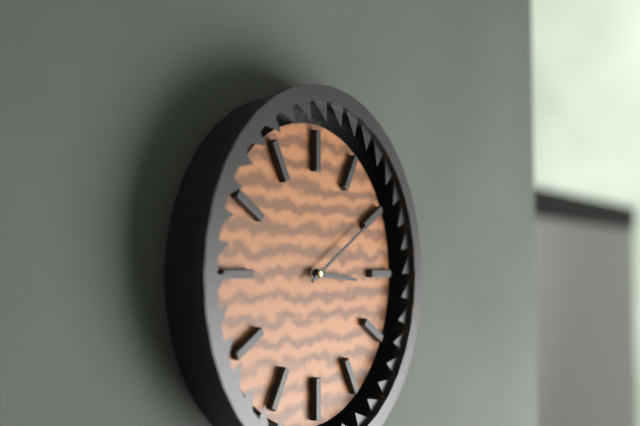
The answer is 3:10
